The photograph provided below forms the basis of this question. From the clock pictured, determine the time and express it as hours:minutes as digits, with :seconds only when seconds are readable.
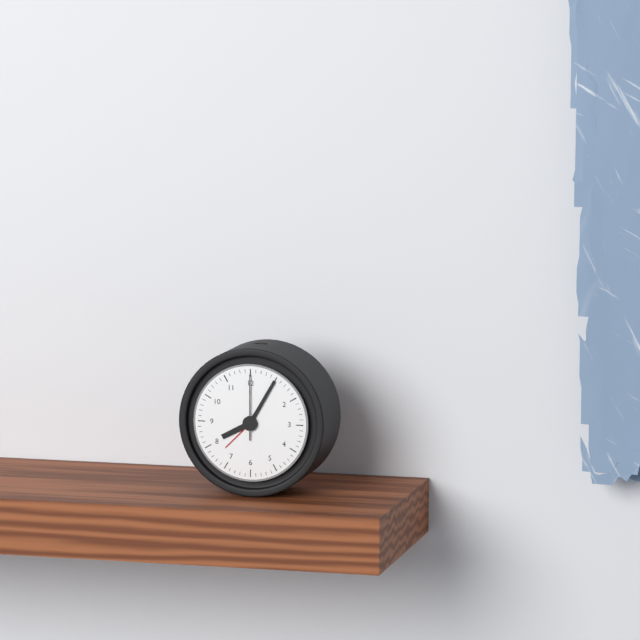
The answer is 8:05:00
